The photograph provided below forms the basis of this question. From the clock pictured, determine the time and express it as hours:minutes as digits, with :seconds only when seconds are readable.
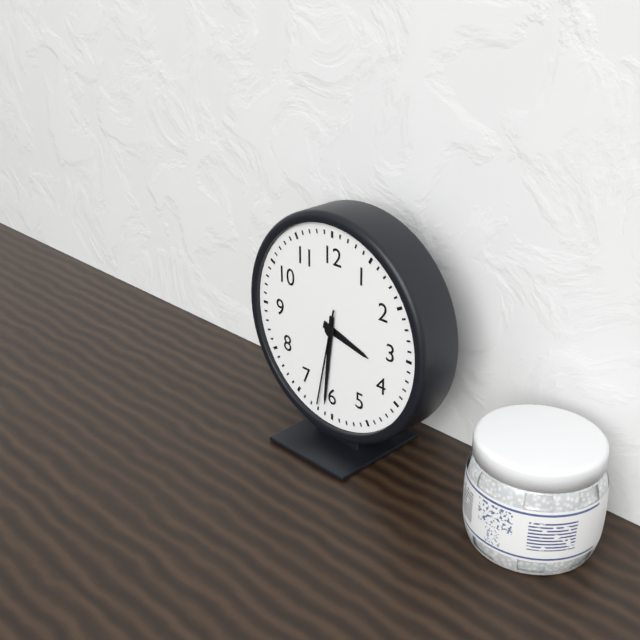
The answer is 3:31:32
